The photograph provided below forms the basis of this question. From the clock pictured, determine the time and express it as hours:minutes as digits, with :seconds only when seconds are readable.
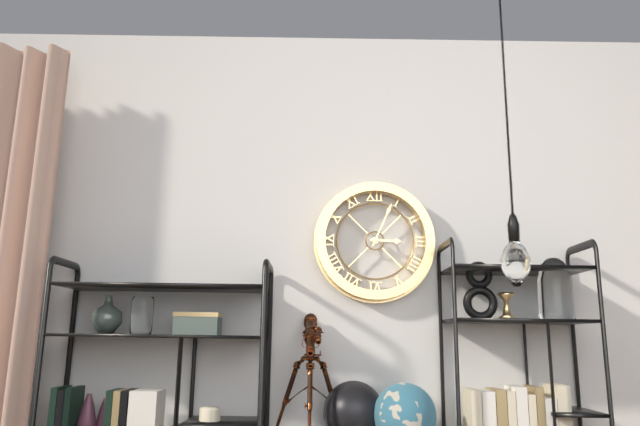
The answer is 3:04
